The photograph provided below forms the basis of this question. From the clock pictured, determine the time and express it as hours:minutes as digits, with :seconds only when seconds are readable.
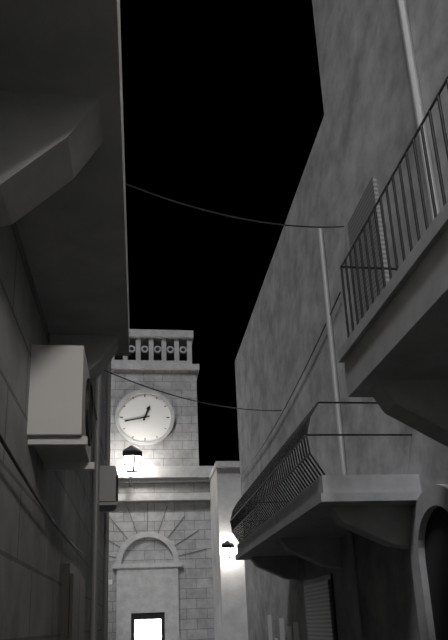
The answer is 12:43
